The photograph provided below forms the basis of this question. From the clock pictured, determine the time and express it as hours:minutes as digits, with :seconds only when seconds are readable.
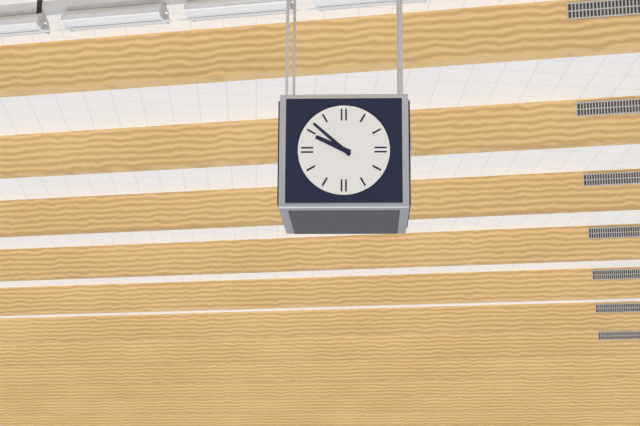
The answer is 9:52
